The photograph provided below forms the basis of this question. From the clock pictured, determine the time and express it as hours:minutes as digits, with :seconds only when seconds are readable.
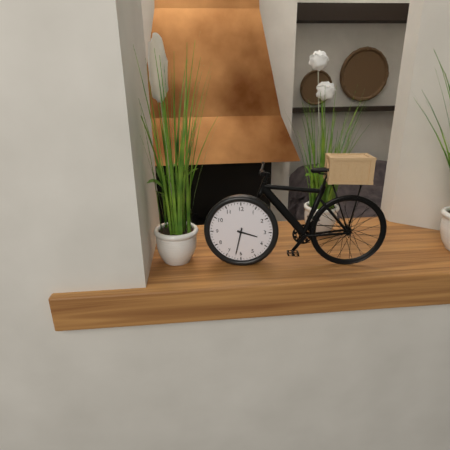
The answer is 3:32
